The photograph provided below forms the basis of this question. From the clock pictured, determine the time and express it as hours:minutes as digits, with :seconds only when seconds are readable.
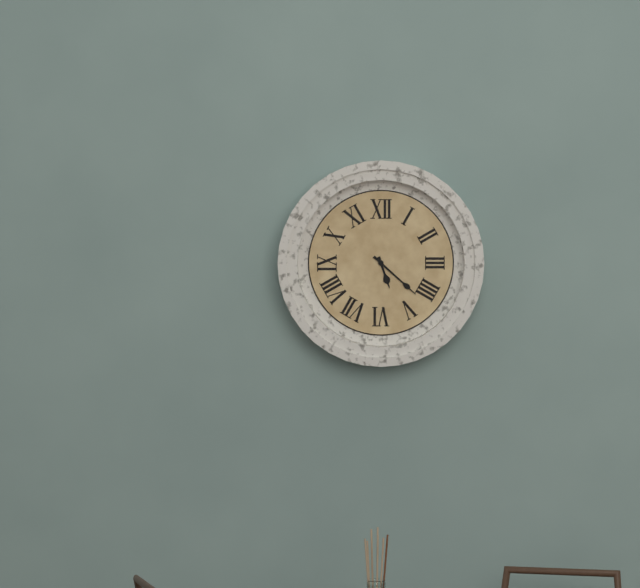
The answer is 5:22
